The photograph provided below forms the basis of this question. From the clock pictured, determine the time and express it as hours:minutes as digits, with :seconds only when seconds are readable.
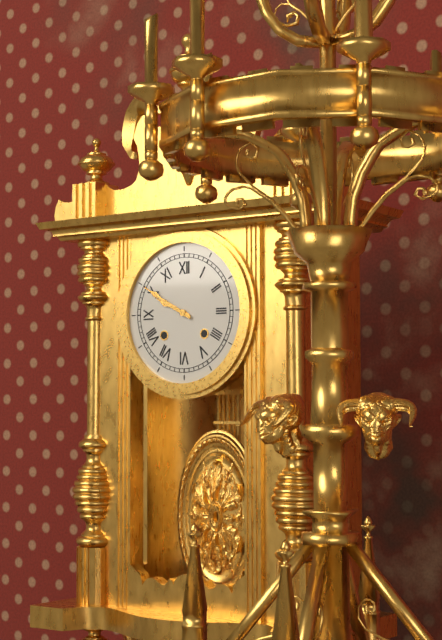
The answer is 9:50
